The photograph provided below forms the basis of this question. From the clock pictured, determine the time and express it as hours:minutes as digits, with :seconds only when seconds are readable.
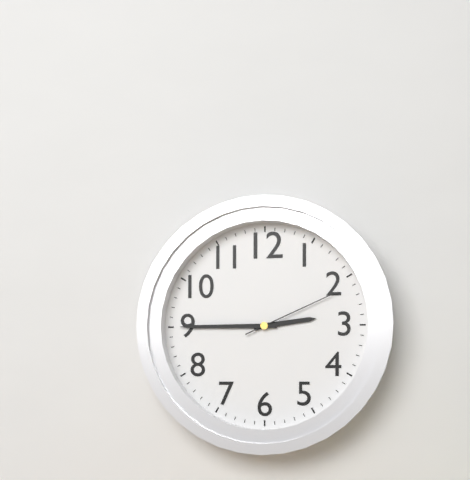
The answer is 2:45:11
